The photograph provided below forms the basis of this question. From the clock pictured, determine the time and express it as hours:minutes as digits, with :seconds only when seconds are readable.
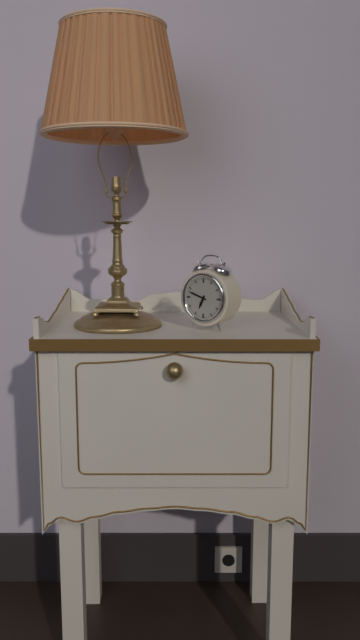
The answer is 6:48
